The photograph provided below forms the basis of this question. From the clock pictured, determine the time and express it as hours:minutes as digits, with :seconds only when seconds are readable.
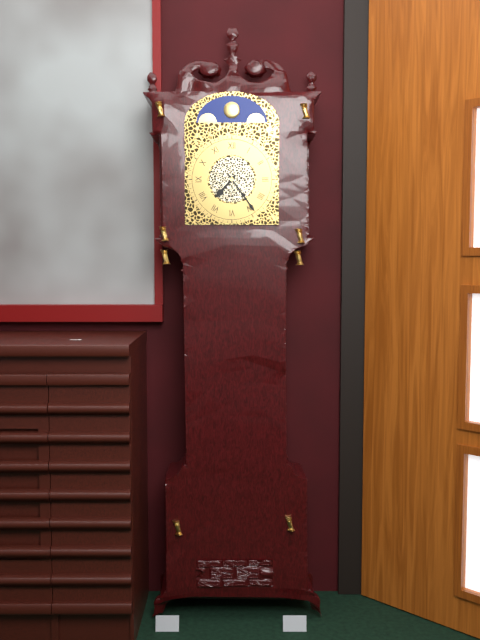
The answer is 7:24
